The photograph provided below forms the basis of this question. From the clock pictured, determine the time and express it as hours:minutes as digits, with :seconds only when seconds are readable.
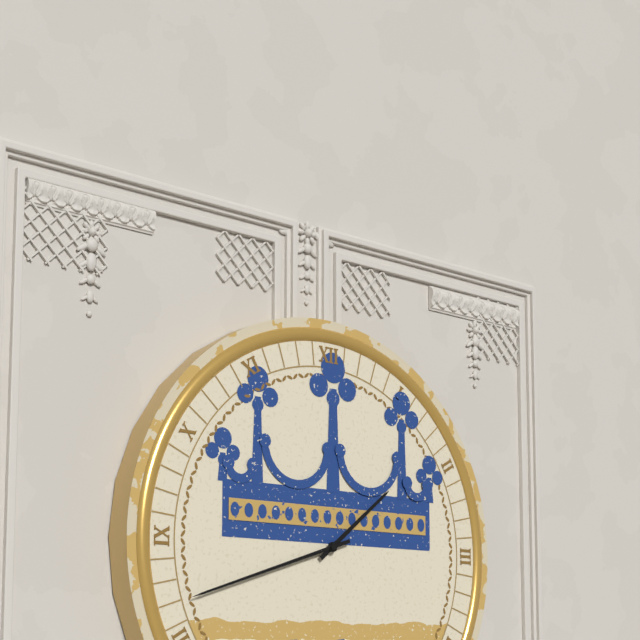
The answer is 1:42
